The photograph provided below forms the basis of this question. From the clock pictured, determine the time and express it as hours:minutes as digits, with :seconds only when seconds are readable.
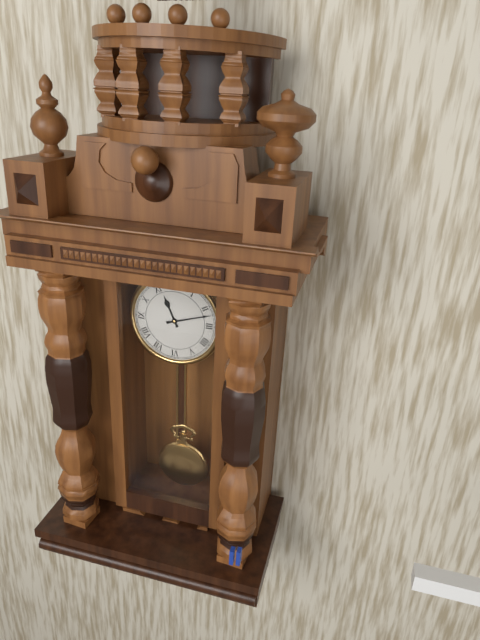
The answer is 11:12
